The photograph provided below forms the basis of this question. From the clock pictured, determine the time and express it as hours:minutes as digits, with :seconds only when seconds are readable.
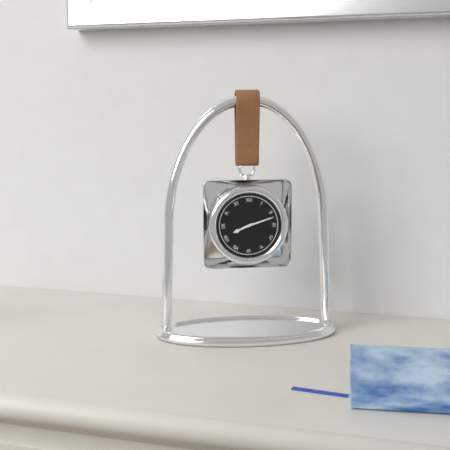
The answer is 8:12
